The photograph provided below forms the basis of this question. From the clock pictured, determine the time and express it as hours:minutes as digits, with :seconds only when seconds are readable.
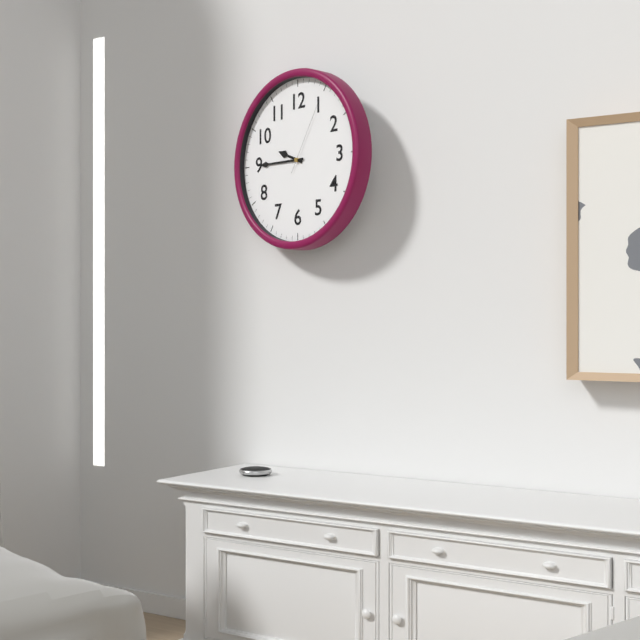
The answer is 9:45:05
